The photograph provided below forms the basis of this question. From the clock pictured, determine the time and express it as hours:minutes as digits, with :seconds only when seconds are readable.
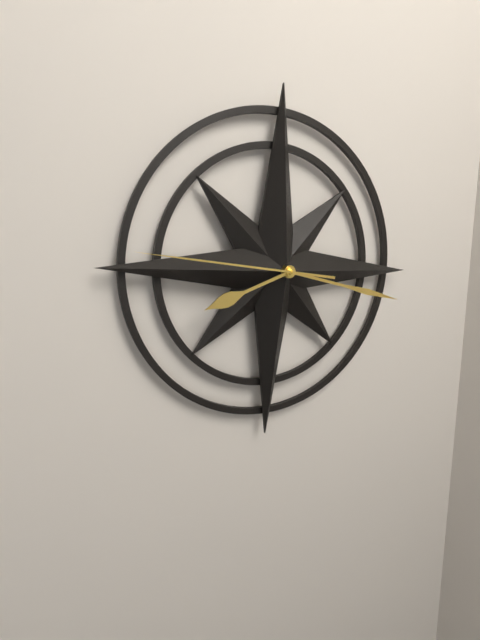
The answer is 8:17:46
